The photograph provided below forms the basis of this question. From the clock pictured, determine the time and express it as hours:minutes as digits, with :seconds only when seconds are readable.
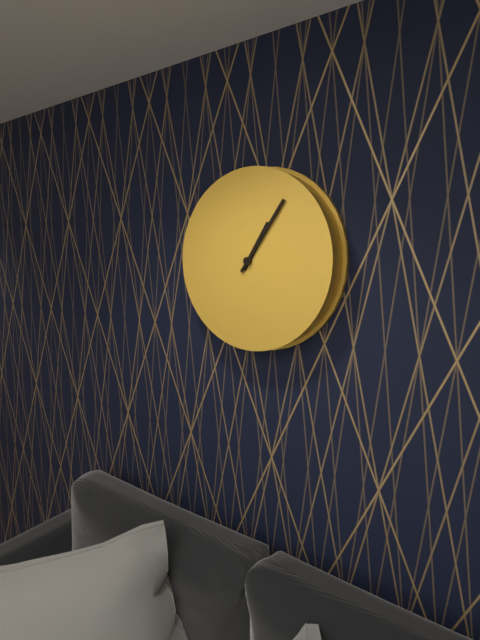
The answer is 1:06
